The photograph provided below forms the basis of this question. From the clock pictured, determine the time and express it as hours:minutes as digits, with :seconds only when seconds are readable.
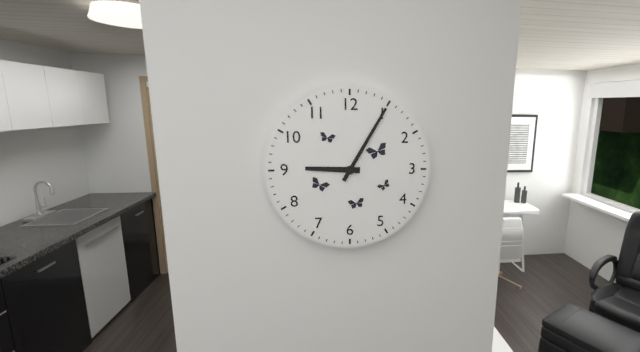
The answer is 9:05
